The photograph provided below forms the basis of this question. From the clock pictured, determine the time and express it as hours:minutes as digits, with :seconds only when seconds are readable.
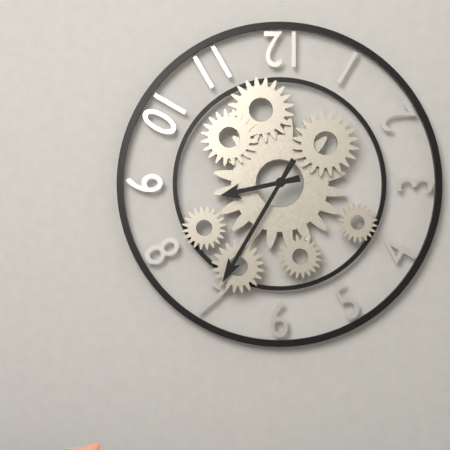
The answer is 8:35
